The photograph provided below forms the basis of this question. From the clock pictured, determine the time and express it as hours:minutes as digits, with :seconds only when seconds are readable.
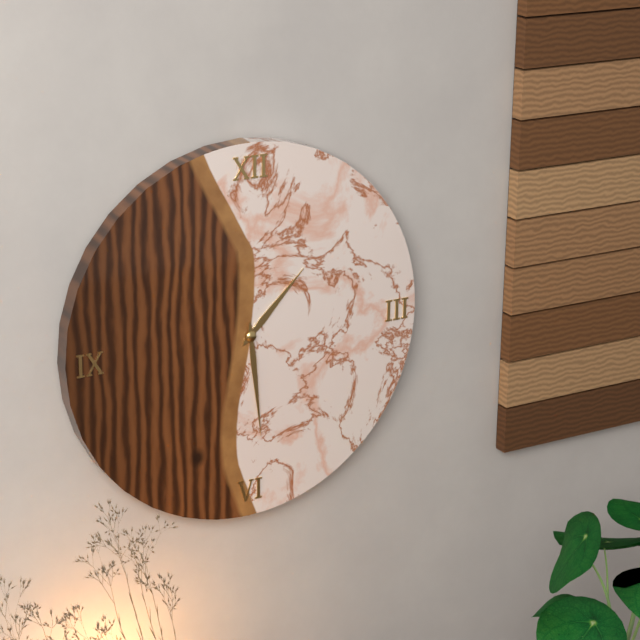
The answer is 1:29
